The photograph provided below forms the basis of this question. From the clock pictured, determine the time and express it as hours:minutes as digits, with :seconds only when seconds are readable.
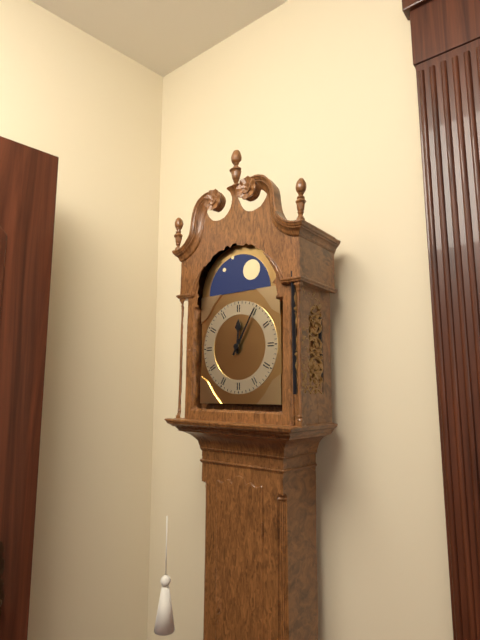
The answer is 12:05
